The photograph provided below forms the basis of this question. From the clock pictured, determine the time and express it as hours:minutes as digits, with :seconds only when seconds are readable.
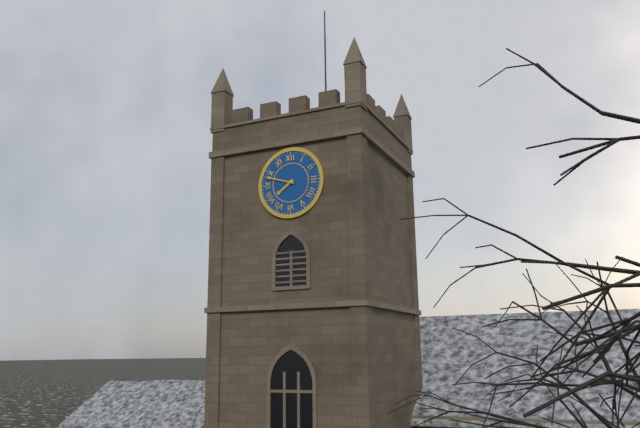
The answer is 7:48
